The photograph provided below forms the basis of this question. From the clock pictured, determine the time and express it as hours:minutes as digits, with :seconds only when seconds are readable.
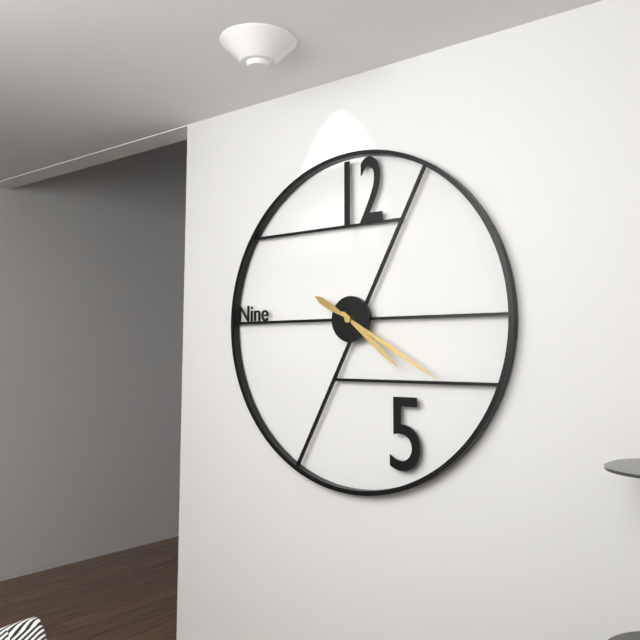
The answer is 4:20
